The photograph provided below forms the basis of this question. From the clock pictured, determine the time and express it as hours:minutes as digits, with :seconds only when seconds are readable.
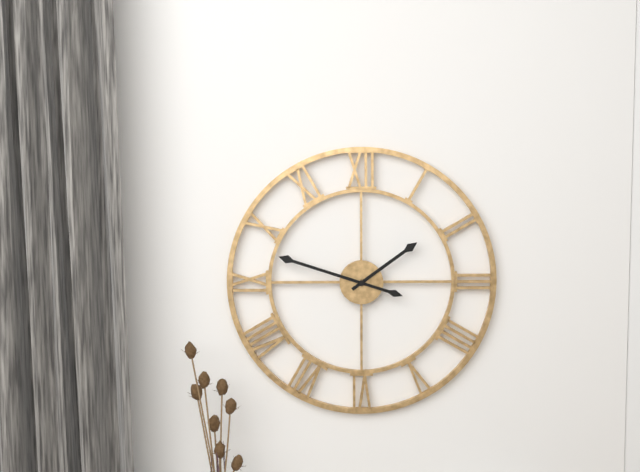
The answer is 1:48
